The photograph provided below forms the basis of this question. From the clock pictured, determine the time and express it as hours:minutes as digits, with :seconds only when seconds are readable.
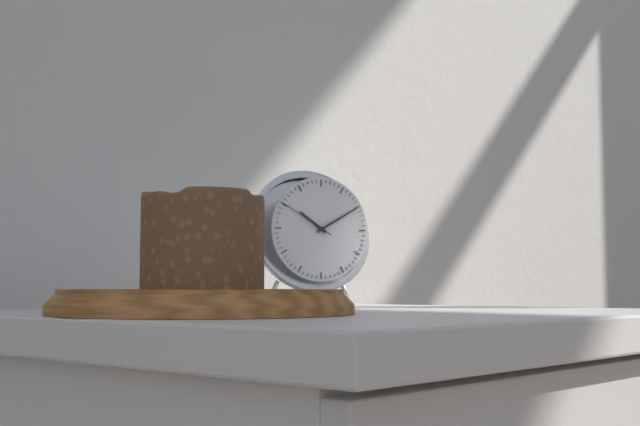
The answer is 10:10:50
